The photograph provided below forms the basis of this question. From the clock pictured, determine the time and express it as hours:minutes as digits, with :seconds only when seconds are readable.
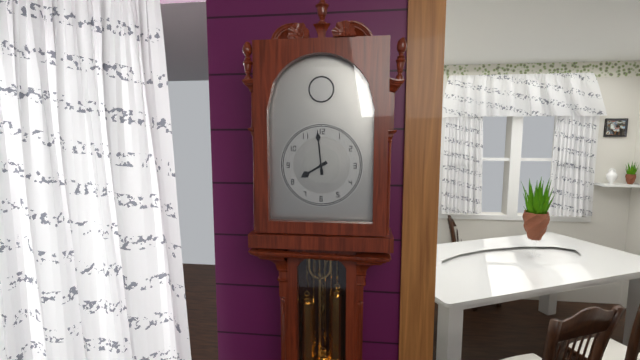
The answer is 7:59
